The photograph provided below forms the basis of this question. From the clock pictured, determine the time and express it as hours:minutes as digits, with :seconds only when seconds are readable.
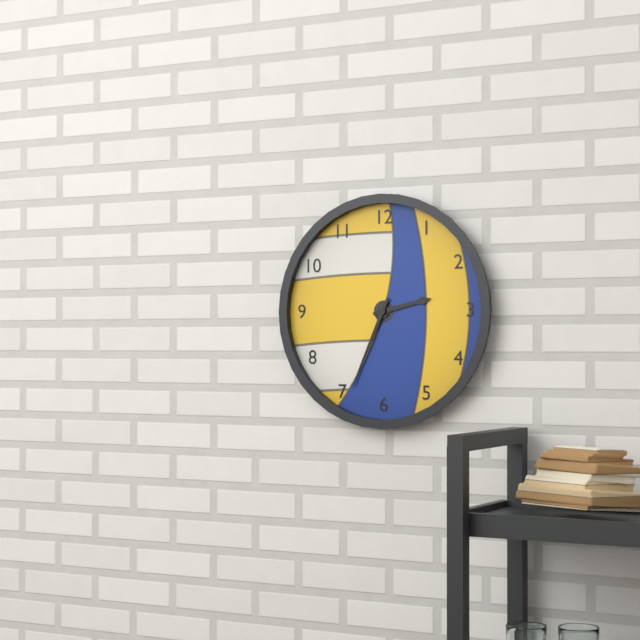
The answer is 2:34
